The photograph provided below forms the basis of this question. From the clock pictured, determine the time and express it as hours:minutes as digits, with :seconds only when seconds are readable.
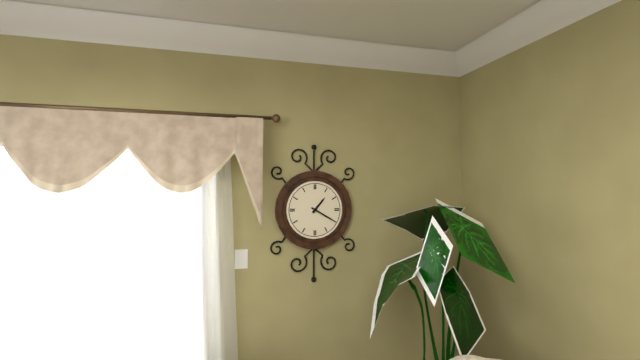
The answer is 1:20
